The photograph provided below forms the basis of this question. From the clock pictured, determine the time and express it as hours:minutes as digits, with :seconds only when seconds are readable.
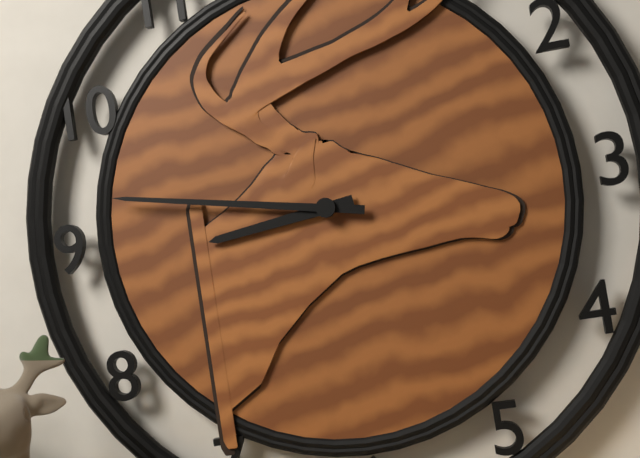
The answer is 8:47
